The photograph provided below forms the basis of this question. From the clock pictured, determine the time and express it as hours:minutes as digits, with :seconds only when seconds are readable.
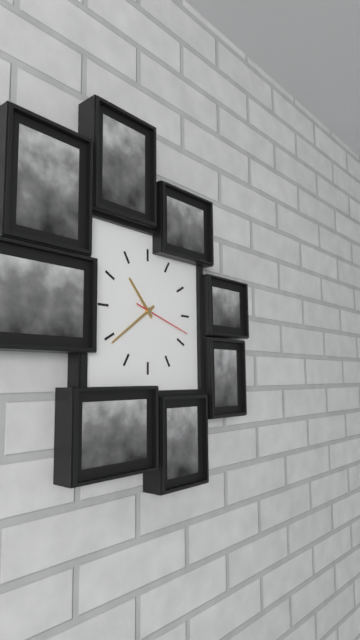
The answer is 10:39:18
